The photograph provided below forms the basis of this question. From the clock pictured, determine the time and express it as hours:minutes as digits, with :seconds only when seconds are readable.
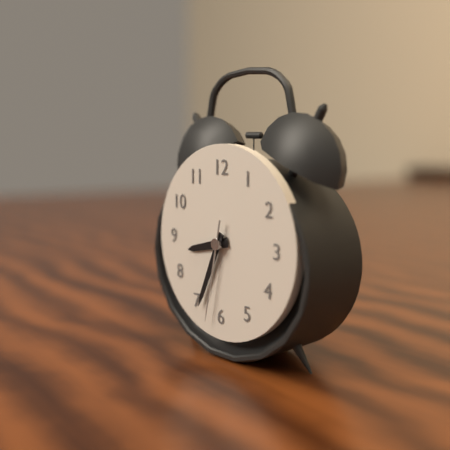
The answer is 8:34:32
